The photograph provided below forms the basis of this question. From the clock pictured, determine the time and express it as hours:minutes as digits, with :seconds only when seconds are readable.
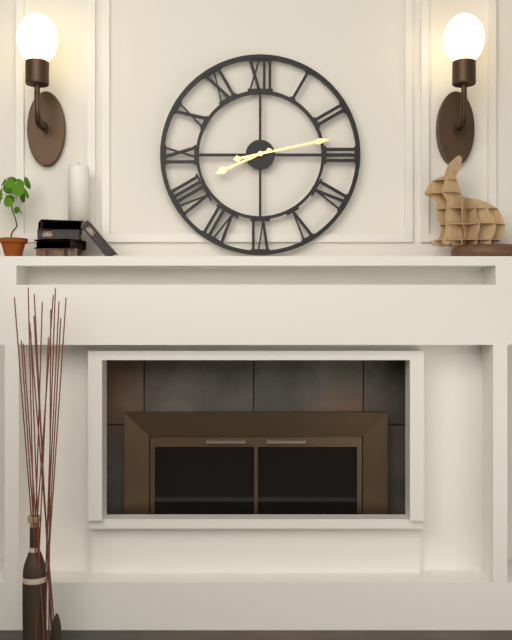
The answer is 8:13
